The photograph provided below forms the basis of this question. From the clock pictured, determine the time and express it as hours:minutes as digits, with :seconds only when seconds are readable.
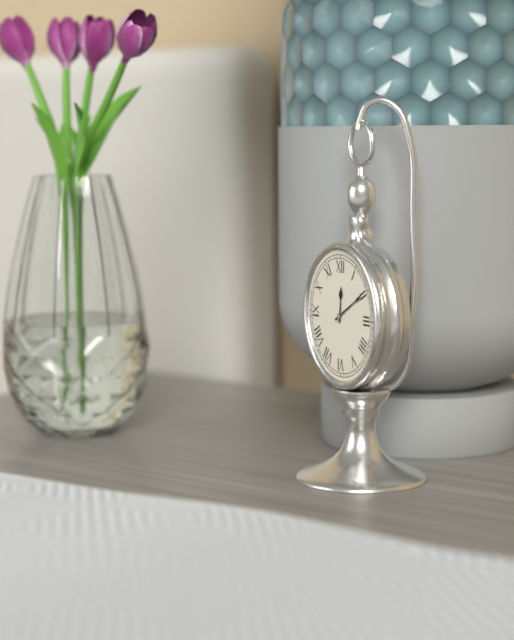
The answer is 12:10
